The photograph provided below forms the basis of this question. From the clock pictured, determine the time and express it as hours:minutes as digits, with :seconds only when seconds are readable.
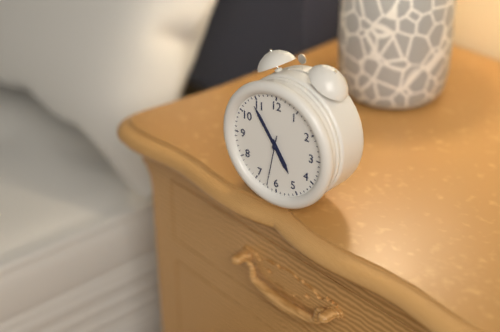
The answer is 4:54
